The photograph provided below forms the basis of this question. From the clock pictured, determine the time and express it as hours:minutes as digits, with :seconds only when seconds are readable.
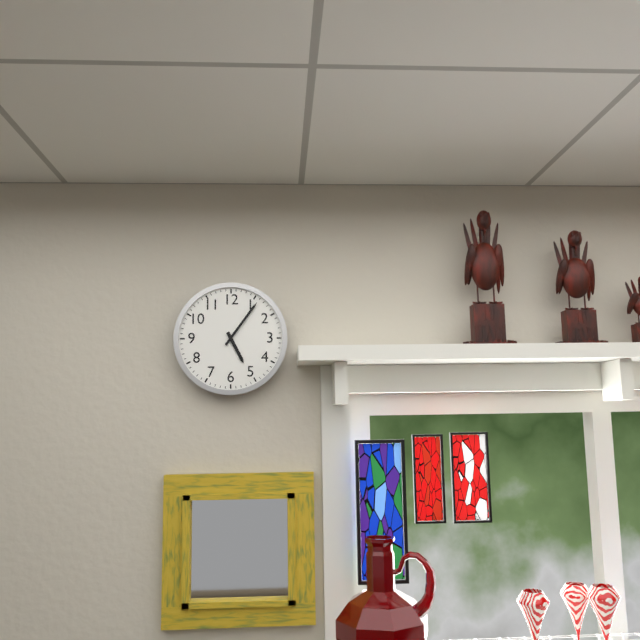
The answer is 5:06
